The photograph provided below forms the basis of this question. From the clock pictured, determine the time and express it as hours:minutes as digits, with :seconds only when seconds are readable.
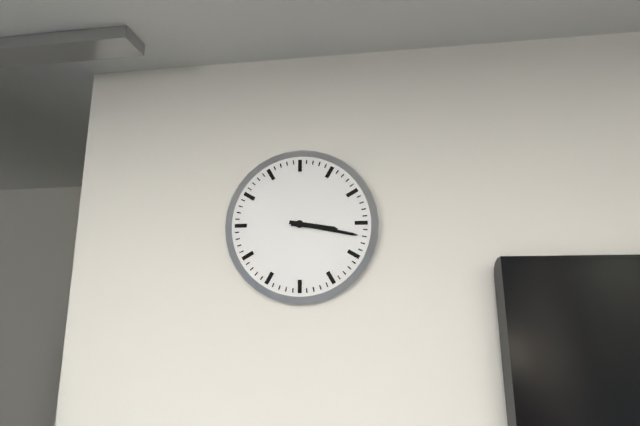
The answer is 3:17
